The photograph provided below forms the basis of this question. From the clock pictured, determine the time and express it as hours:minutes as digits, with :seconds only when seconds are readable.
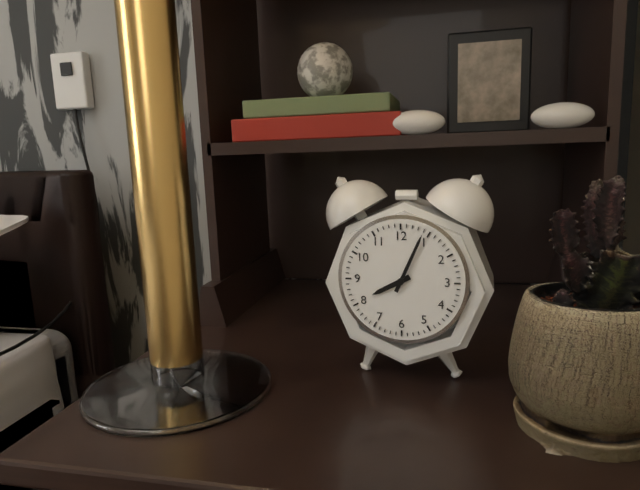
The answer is 8:04
